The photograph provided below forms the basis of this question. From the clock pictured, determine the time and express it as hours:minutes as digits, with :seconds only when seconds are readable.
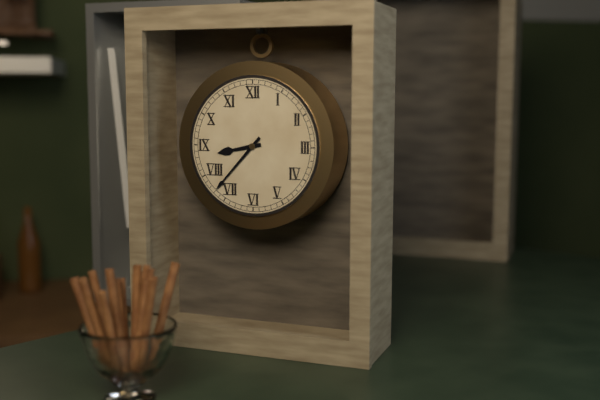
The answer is 8:37
